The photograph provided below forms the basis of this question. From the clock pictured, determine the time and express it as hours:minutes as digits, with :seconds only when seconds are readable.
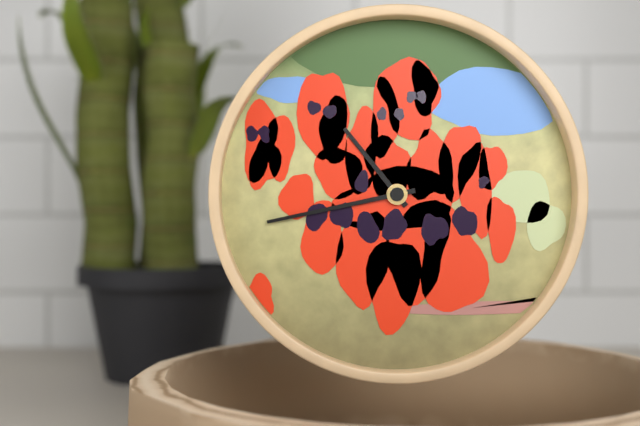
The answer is 10:43
